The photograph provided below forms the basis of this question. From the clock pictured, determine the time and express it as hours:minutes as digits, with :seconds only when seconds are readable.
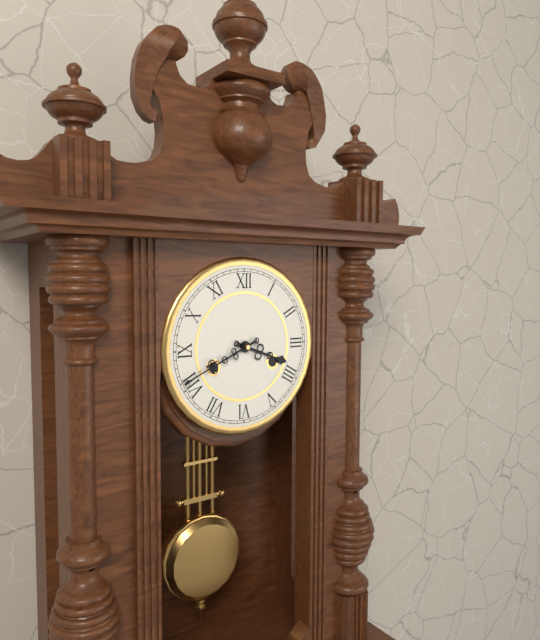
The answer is 3:41
